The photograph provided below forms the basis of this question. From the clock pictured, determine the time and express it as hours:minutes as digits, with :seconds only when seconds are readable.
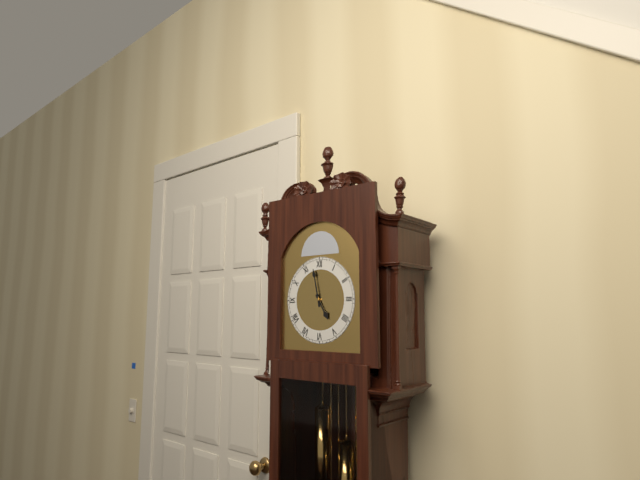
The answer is 4:58
